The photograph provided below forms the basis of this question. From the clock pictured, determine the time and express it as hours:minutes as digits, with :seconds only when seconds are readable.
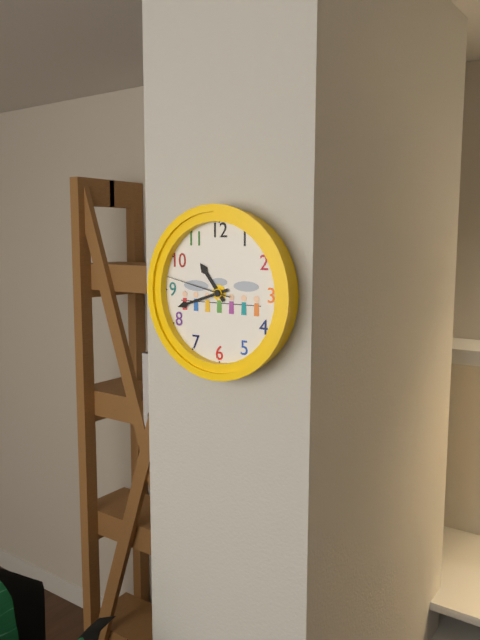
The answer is 10:42:47
